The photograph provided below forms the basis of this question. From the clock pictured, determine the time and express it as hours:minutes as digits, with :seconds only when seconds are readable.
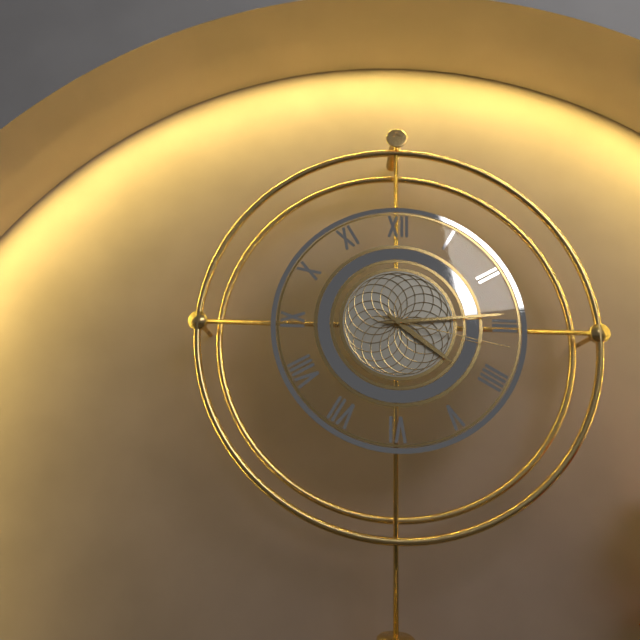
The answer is 4:14:17
